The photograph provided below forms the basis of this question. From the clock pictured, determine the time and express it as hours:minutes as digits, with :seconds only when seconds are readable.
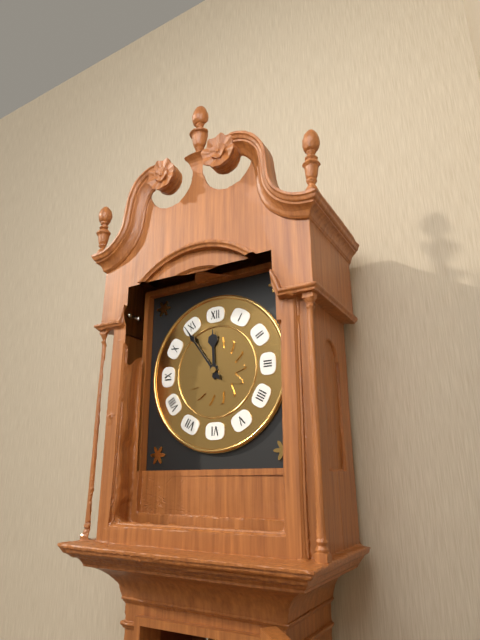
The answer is 11:54
